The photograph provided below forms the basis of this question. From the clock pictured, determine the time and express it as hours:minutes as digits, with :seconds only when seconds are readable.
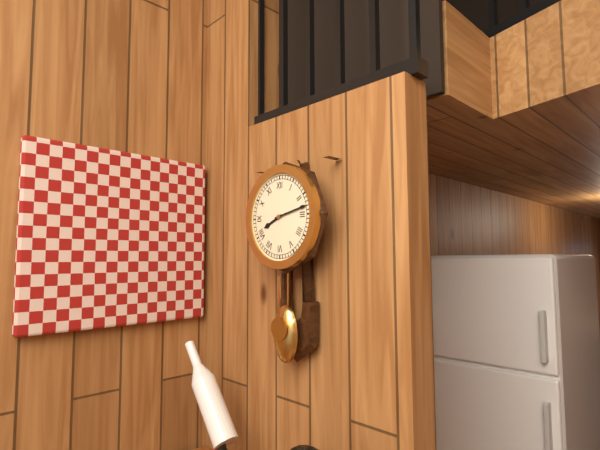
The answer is 8:13
